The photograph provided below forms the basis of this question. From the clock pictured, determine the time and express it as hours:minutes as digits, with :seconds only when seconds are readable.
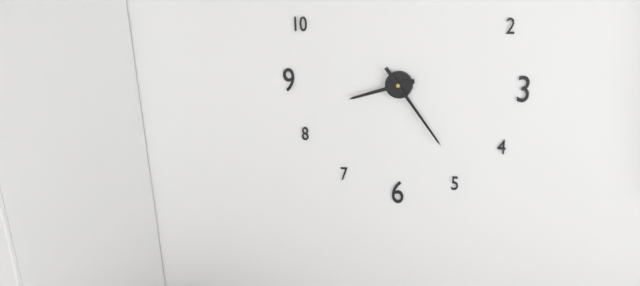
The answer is 8:24
